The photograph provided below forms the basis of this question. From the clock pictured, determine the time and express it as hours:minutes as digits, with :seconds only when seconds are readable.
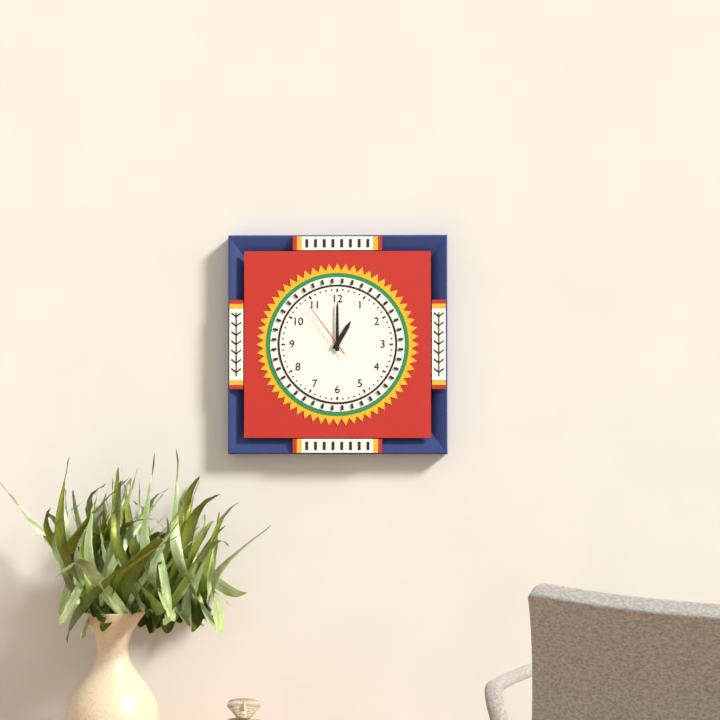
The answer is 1:00:54
